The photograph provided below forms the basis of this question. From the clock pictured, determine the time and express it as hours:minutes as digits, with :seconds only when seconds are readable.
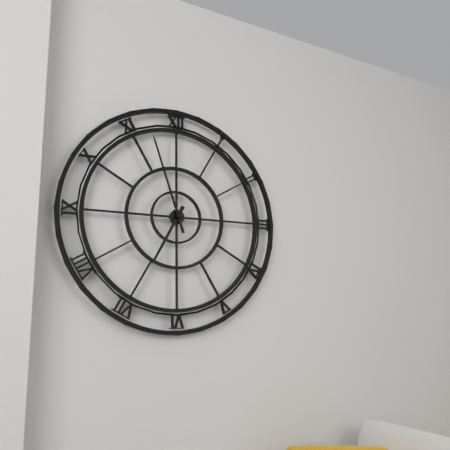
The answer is 6:57
